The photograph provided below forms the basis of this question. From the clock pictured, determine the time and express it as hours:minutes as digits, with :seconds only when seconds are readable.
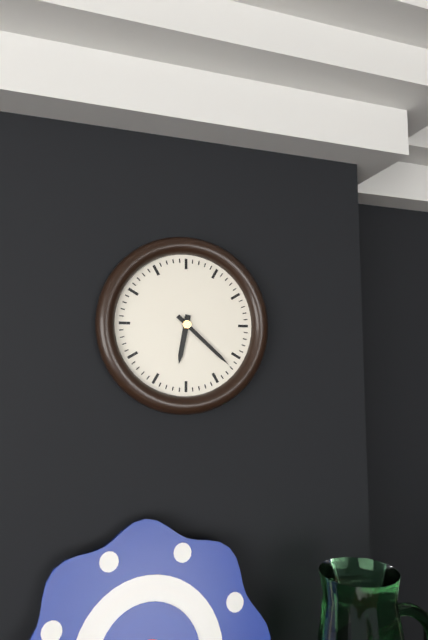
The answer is 6:22
